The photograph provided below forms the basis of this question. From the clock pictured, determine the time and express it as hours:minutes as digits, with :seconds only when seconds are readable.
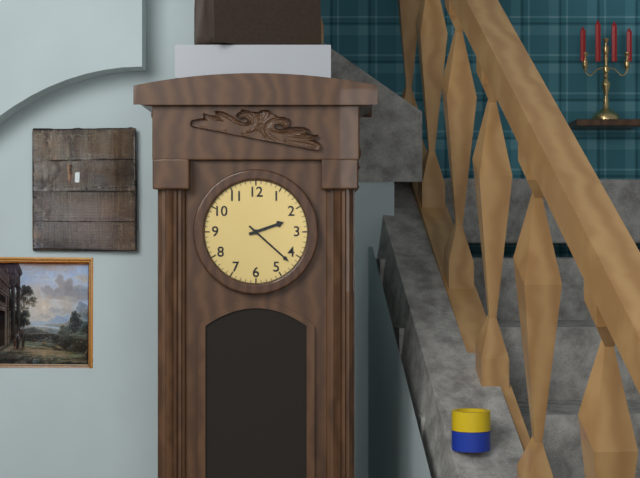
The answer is 2:22
